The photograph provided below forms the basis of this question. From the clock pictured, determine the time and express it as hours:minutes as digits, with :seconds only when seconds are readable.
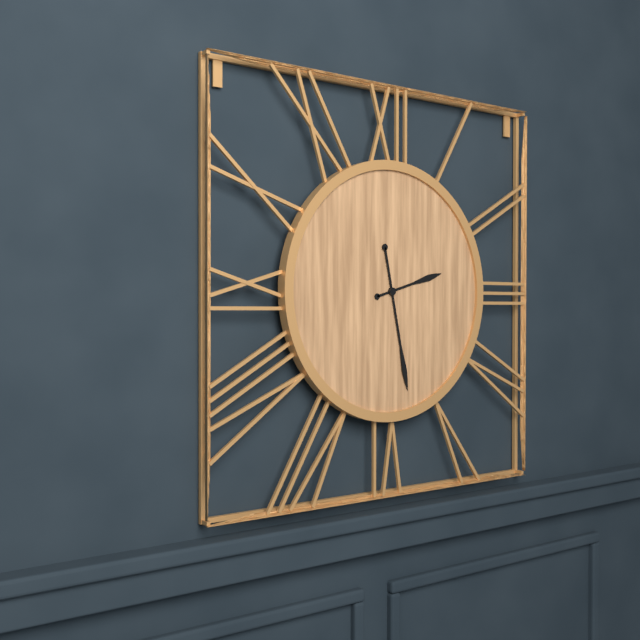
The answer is 2:28
